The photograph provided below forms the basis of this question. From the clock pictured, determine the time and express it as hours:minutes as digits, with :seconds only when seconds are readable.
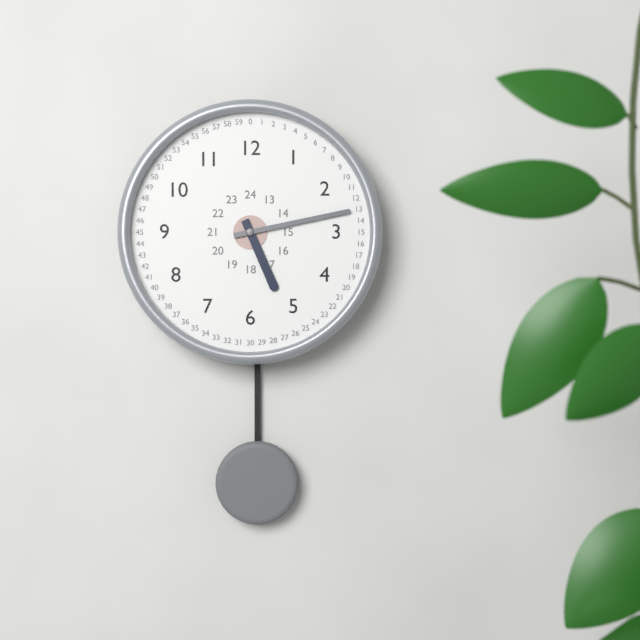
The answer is 5:13
